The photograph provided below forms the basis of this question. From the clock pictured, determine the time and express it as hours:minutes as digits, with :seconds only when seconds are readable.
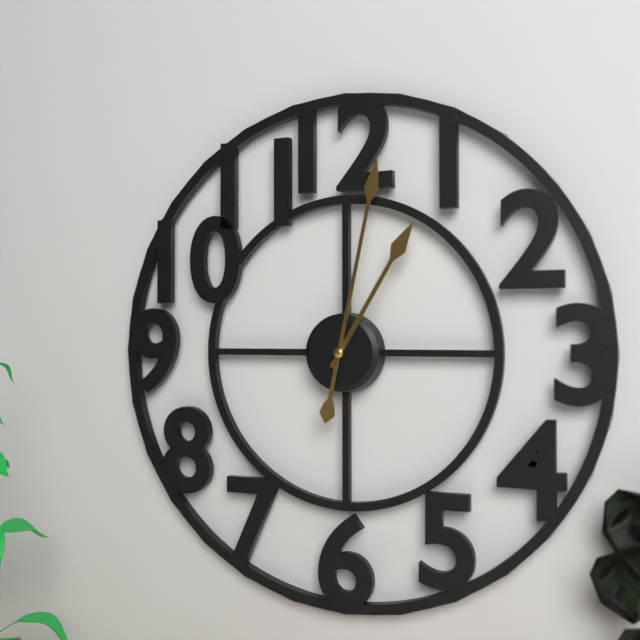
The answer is 1:02
